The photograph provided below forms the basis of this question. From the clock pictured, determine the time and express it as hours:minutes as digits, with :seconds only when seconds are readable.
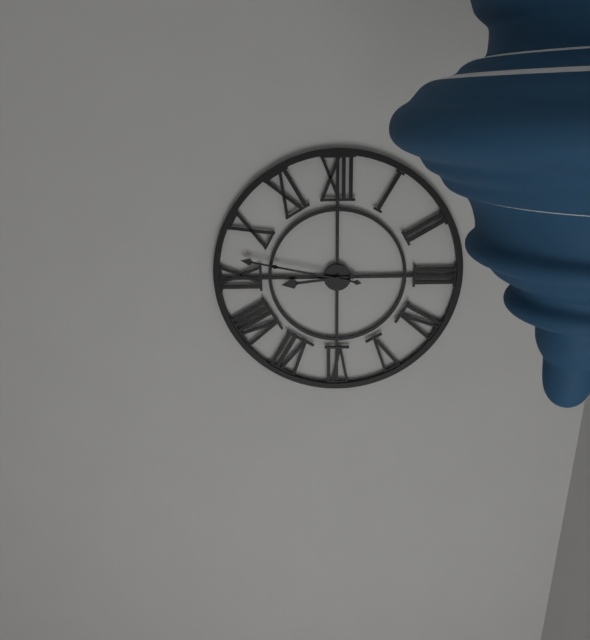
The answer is 8:47
